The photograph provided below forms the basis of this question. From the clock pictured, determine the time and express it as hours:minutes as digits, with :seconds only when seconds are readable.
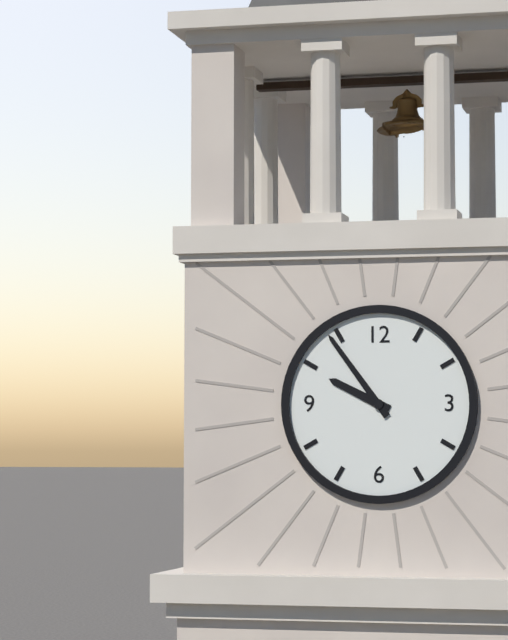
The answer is 9:54
